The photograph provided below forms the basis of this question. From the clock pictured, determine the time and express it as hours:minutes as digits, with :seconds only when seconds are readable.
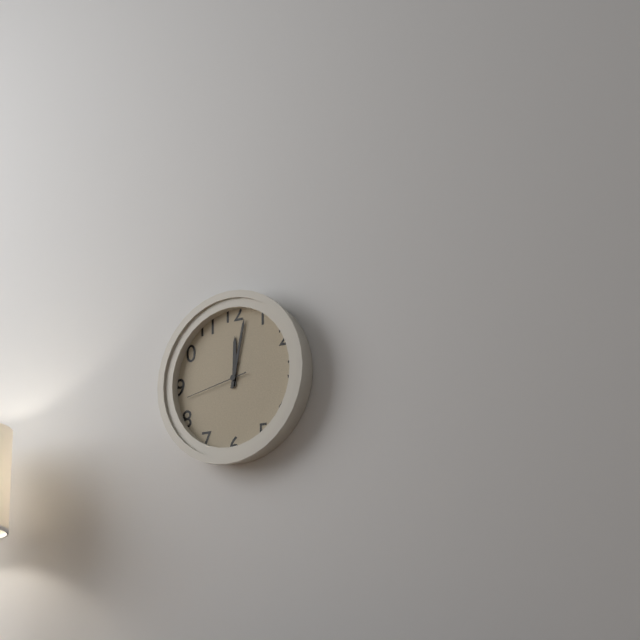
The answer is 12:02:43
